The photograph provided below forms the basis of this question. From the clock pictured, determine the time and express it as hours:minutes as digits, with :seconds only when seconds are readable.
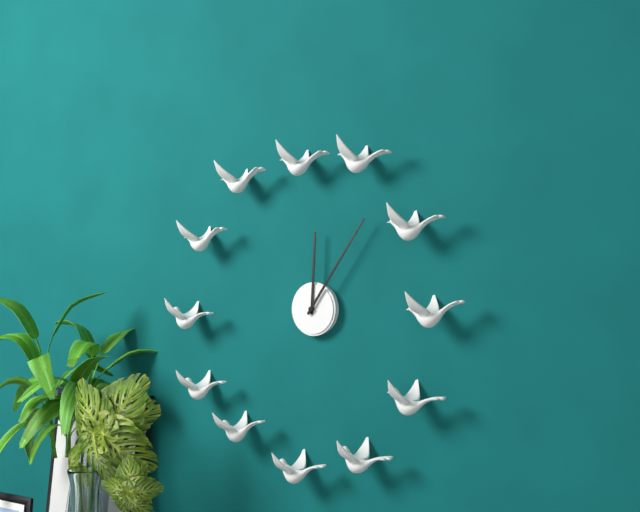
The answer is 12:06
